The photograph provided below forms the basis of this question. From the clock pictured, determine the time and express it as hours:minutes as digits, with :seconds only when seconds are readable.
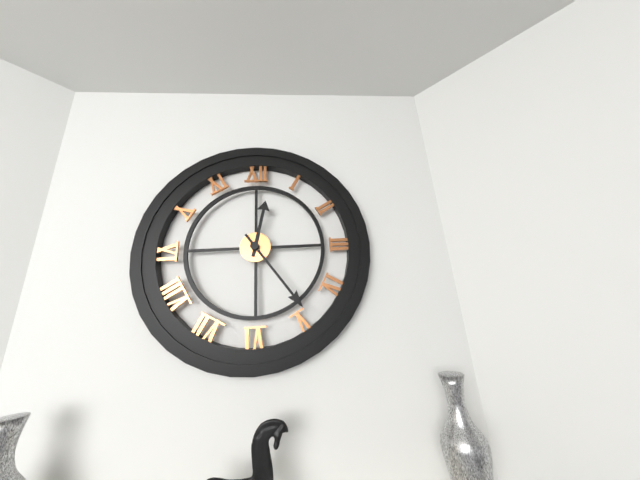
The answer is 12:24
